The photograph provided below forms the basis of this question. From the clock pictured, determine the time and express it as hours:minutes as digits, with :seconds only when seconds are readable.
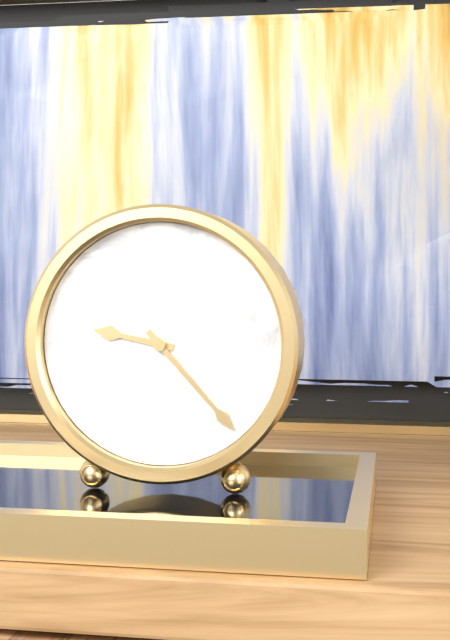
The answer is 9:23
